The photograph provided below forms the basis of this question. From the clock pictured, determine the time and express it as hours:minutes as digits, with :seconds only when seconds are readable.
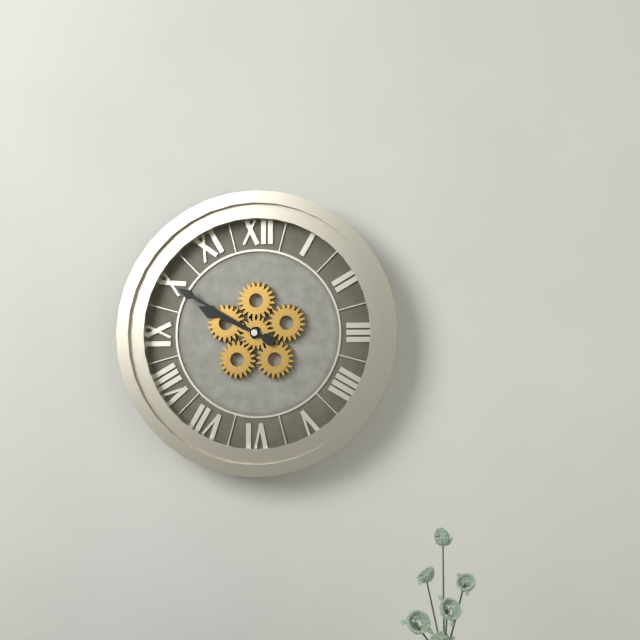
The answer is 9:50
